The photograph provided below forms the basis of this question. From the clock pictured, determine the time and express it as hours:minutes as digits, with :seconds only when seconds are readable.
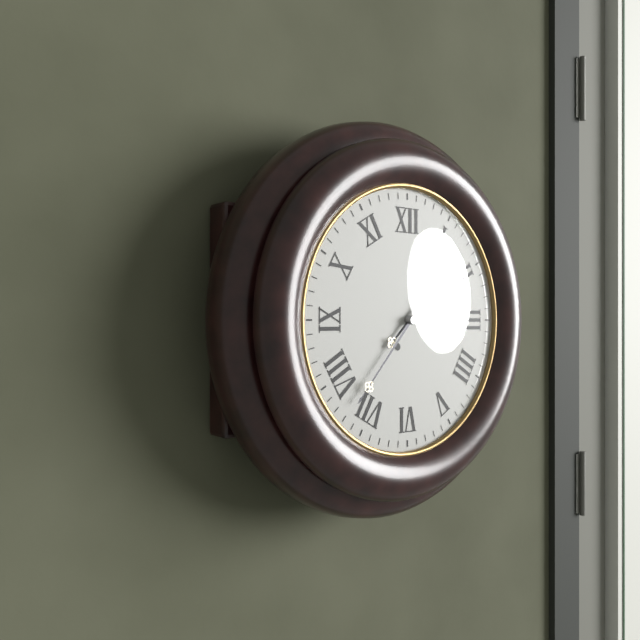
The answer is 1:37
